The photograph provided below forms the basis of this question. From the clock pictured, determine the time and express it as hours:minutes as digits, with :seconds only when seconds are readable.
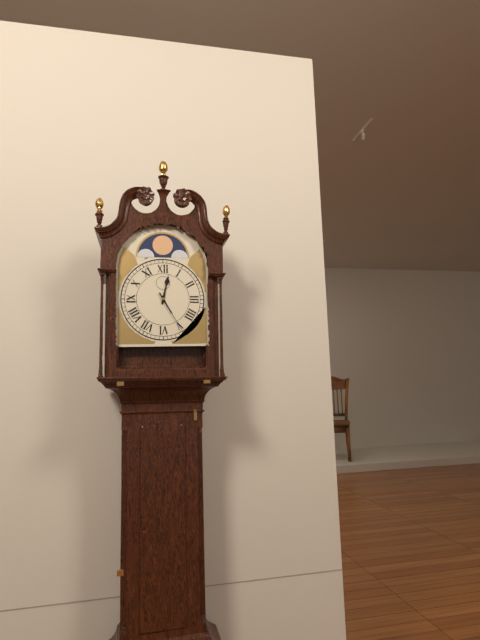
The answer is 12:25
